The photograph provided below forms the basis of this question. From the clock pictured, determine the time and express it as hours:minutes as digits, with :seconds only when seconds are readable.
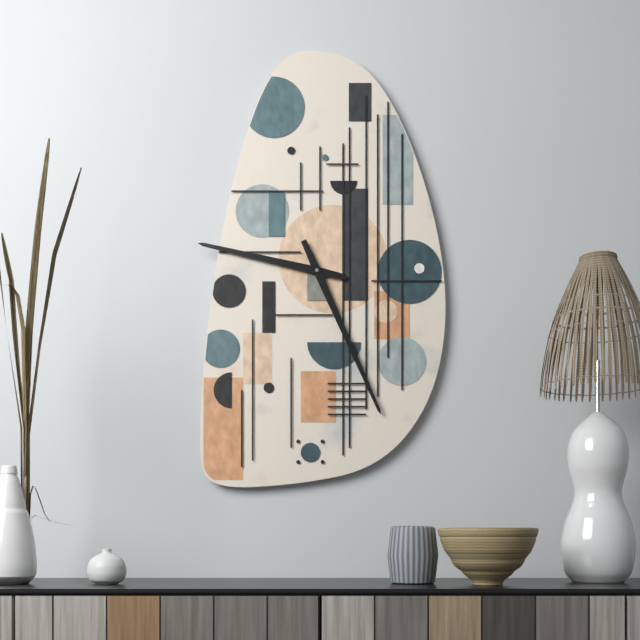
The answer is 9:26
